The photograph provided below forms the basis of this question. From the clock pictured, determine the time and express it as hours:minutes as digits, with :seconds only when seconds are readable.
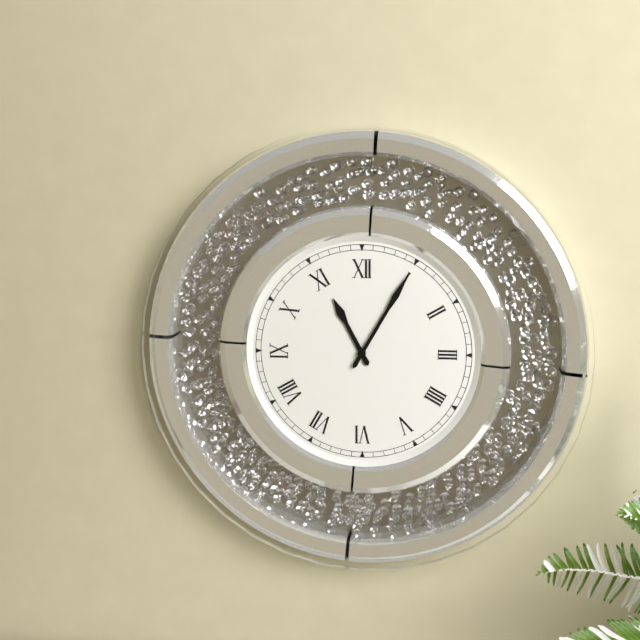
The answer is 11:05
